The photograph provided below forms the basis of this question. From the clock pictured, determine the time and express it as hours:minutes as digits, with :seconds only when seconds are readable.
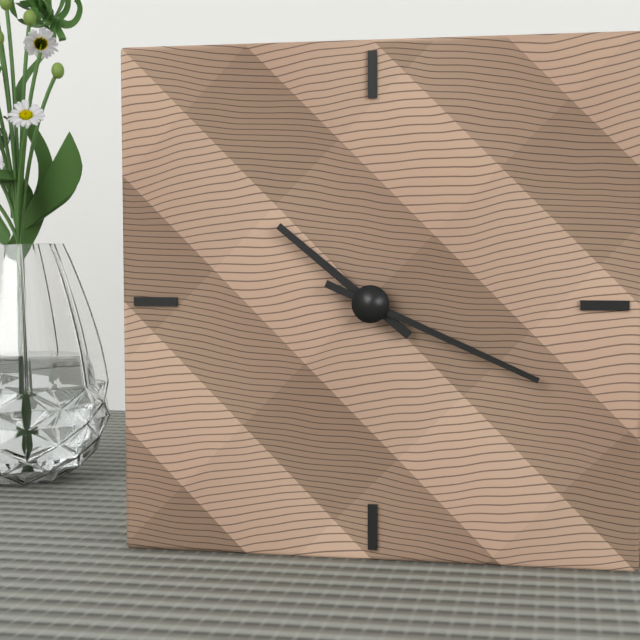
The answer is 10:19
